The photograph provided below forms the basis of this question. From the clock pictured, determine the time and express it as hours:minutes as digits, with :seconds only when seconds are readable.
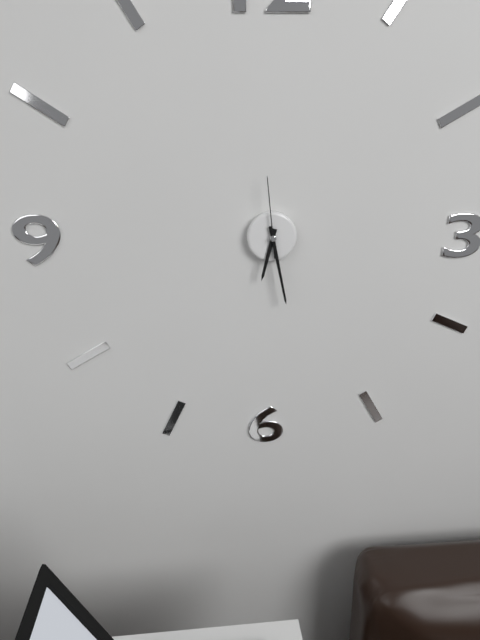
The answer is 6:28:59
